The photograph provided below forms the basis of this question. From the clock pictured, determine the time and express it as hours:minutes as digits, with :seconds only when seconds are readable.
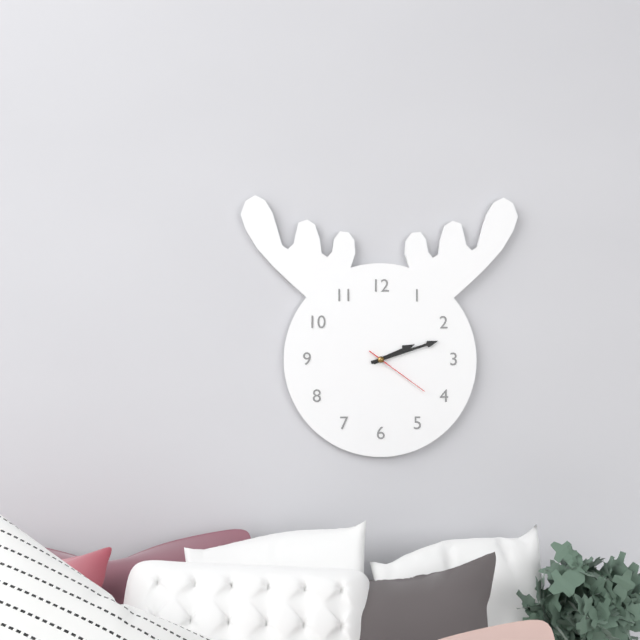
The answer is 2:12:21
